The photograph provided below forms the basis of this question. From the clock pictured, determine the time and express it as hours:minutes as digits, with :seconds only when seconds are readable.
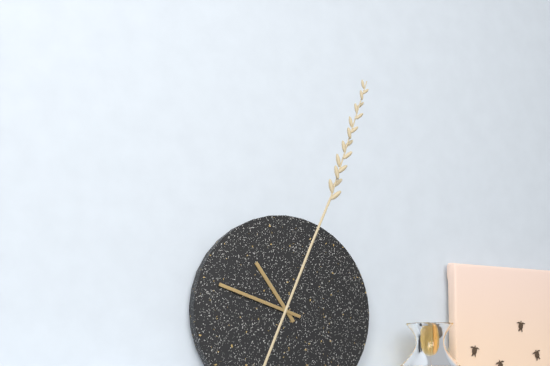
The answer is 10:48
